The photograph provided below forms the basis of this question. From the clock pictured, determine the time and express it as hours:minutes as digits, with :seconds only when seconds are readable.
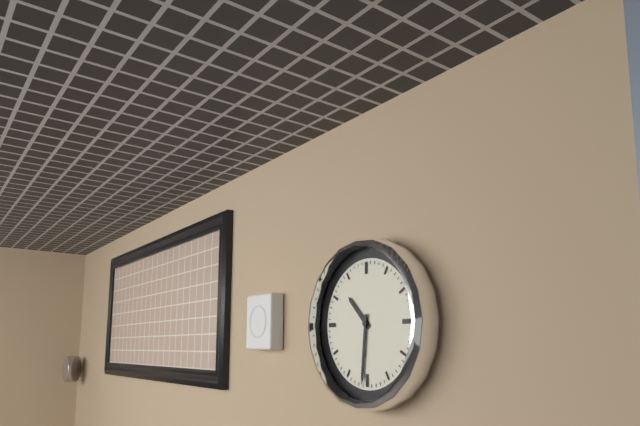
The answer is 10:31
